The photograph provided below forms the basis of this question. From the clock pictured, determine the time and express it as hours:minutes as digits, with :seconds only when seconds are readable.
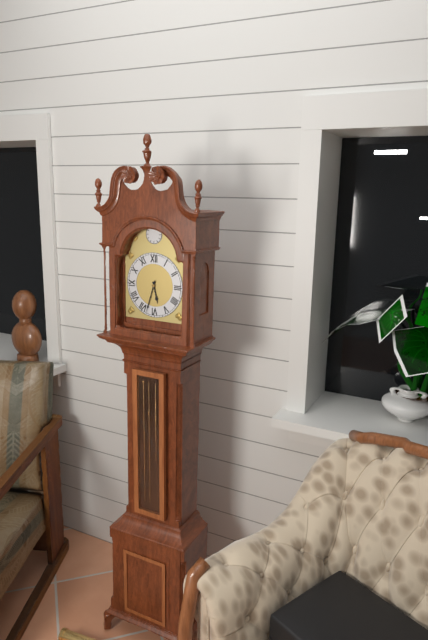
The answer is 5:33
